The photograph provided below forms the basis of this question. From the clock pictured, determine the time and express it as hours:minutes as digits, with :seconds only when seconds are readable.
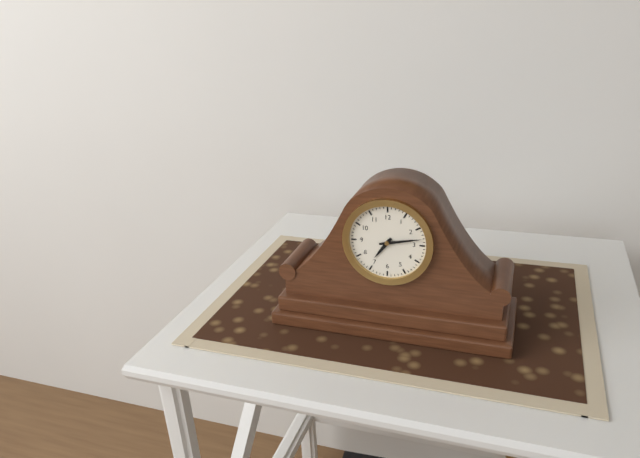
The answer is 7:13
